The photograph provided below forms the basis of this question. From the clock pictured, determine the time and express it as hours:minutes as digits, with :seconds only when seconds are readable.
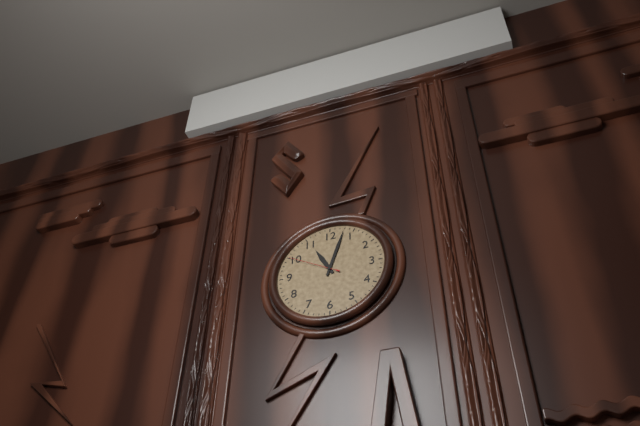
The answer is 11:03:50
